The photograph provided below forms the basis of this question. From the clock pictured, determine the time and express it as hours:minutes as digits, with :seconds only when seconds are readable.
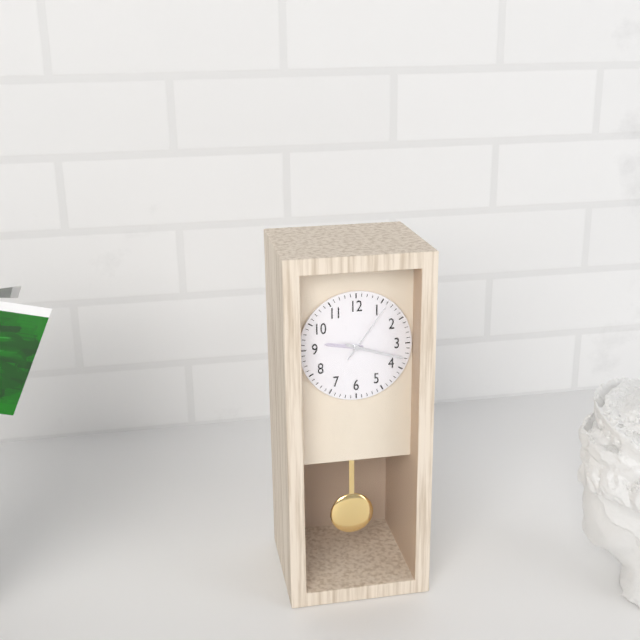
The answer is 9:18:06
